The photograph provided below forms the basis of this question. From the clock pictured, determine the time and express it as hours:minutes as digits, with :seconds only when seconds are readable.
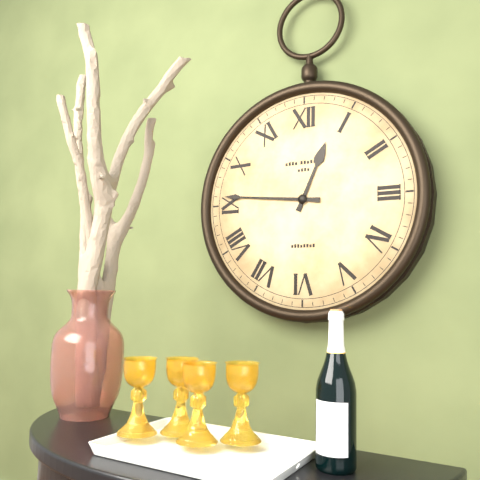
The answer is 12:46
